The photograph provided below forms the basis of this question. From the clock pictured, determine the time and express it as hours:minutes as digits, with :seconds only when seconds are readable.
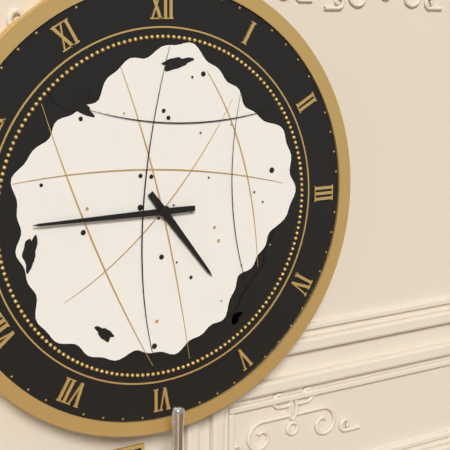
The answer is 4:45
